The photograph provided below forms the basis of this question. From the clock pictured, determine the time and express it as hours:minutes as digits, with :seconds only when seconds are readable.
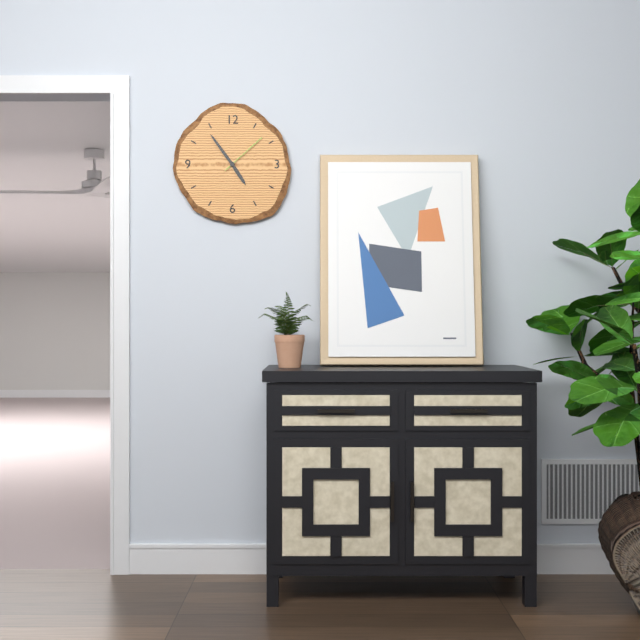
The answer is 4:54:08
